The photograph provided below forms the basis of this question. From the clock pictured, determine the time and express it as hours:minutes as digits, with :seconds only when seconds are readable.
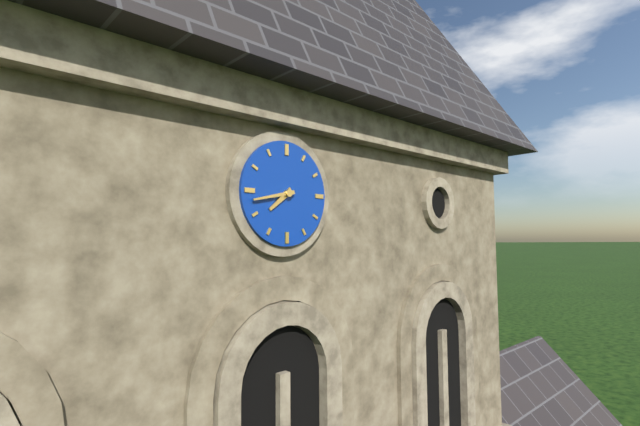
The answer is 7:43
